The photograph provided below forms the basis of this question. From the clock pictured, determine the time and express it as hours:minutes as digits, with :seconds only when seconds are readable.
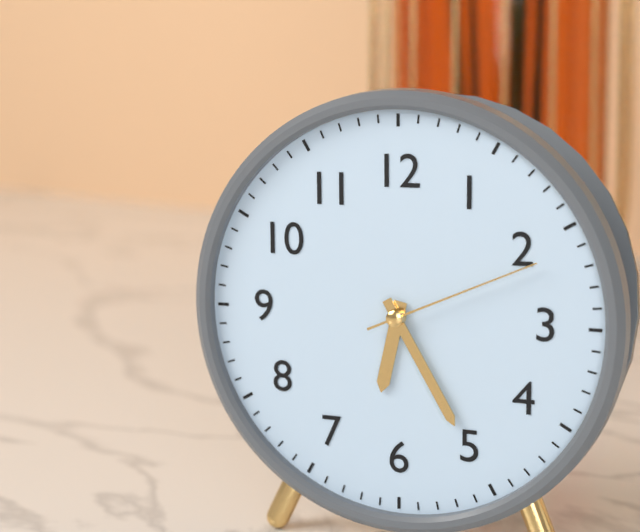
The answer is 6:25:11
